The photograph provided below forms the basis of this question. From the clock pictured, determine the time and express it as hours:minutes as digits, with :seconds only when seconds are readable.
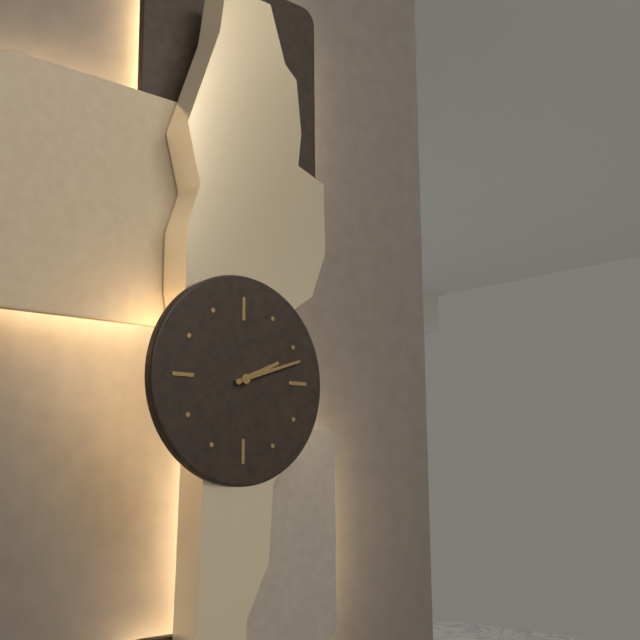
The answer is 2:12
